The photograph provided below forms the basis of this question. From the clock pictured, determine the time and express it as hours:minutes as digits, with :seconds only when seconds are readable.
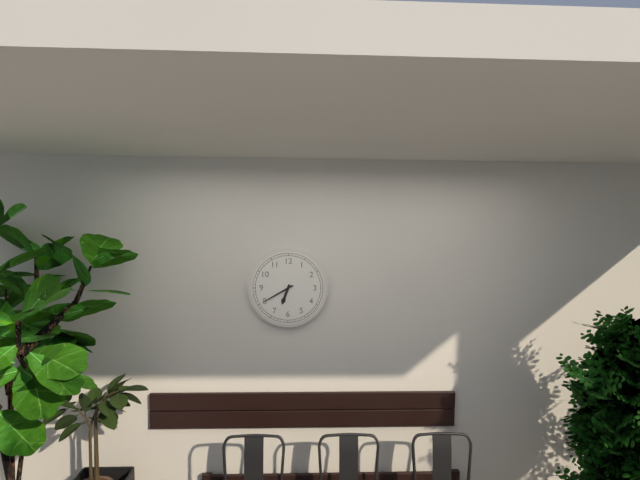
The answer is 6:40
